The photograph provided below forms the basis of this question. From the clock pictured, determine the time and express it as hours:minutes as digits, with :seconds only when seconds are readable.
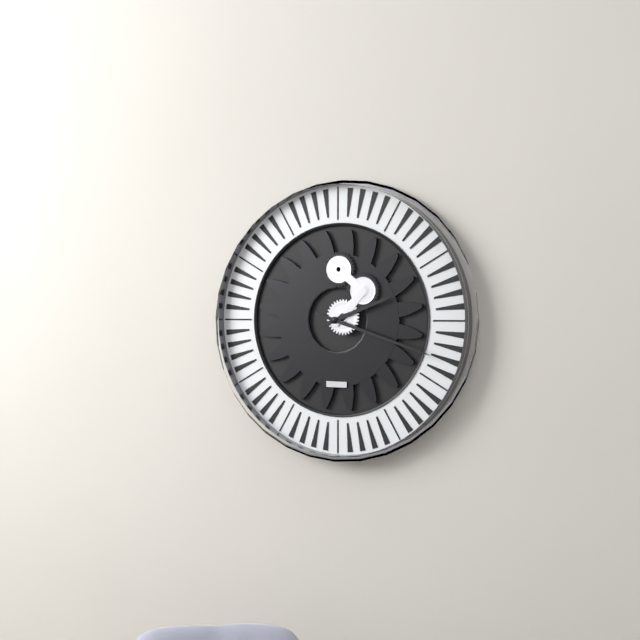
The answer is 2:18
